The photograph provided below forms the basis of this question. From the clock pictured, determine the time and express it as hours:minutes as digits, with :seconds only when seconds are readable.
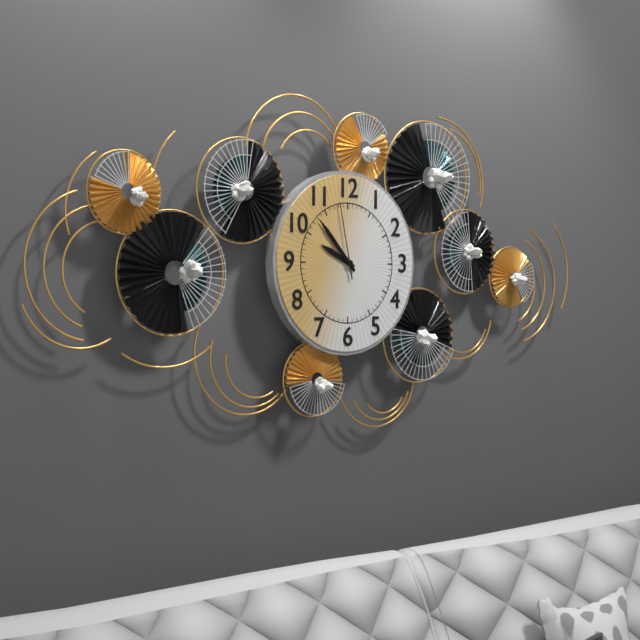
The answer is 9:53:58
